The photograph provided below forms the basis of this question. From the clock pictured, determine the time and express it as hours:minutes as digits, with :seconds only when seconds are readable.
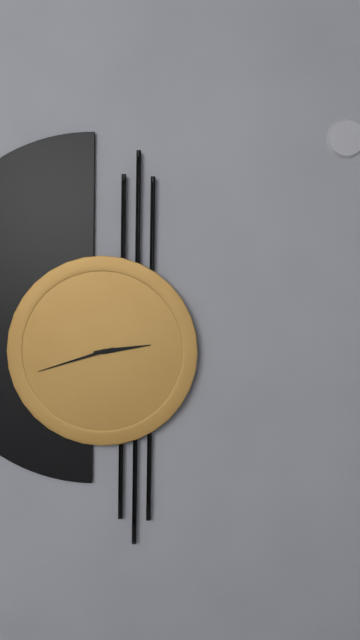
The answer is 2:42
